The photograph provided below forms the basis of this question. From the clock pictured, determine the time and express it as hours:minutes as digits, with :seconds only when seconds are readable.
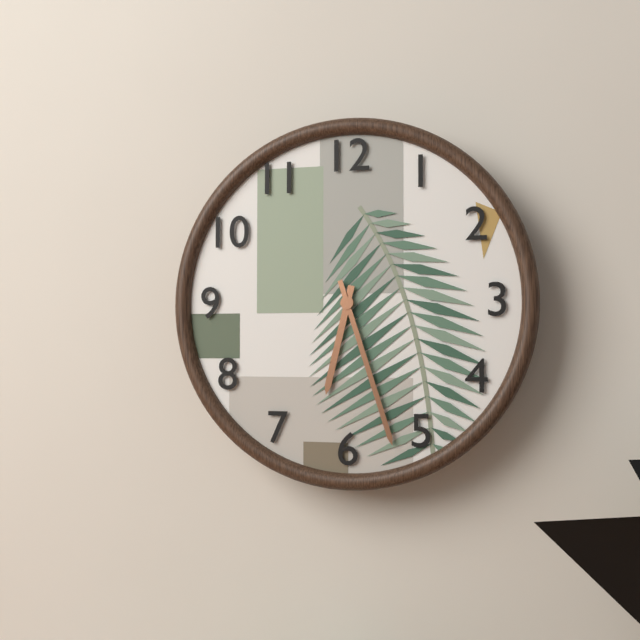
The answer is 6:27
